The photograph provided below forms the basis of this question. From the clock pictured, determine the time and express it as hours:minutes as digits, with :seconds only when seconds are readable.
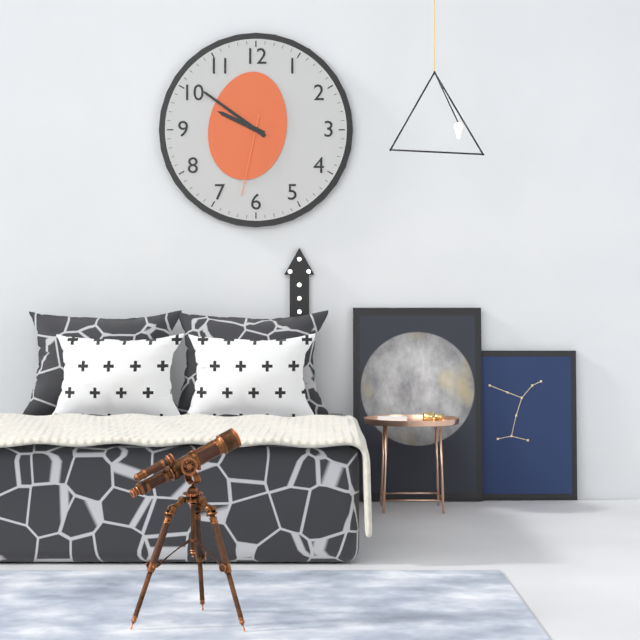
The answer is 9:51:32
